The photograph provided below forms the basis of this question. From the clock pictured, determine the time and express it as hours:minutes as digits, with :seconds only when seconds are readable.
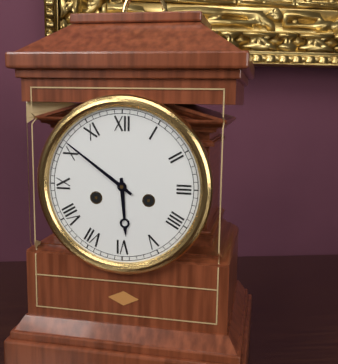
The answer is 5:51
